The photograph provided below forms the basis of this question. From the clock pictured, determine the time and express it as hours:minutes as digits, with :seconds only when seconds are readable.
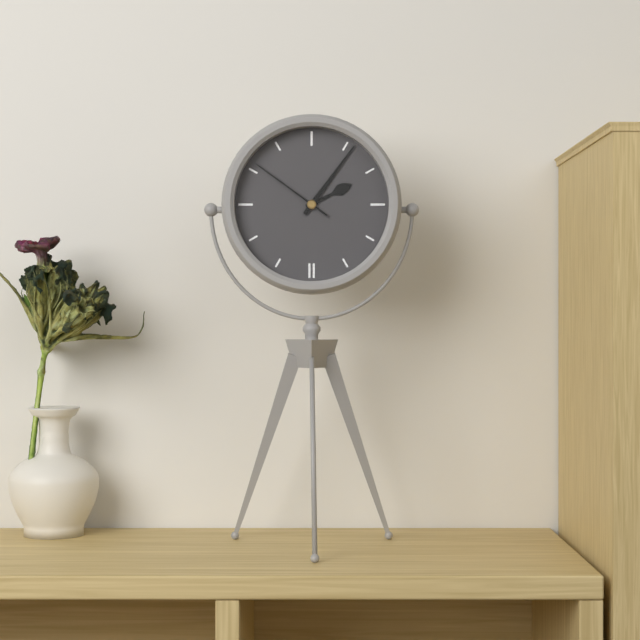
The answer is 2:06:51
